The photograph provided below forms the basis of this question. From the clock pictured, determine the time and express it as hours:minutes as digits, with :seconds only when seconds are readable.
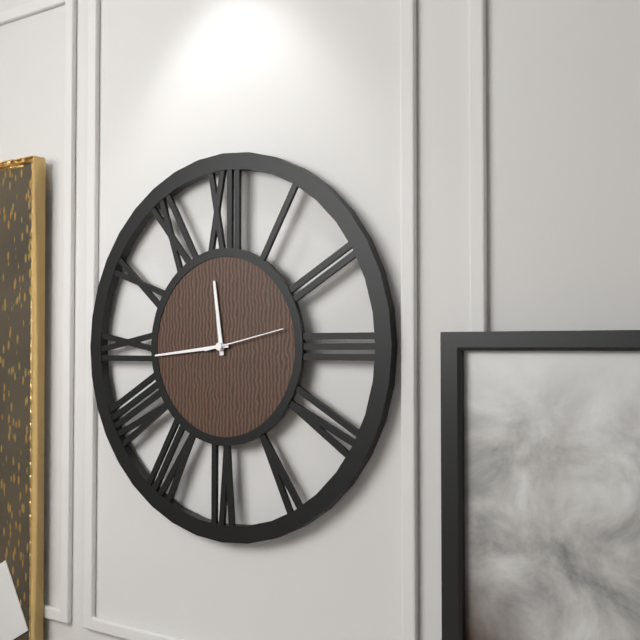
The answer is 11:44:13
